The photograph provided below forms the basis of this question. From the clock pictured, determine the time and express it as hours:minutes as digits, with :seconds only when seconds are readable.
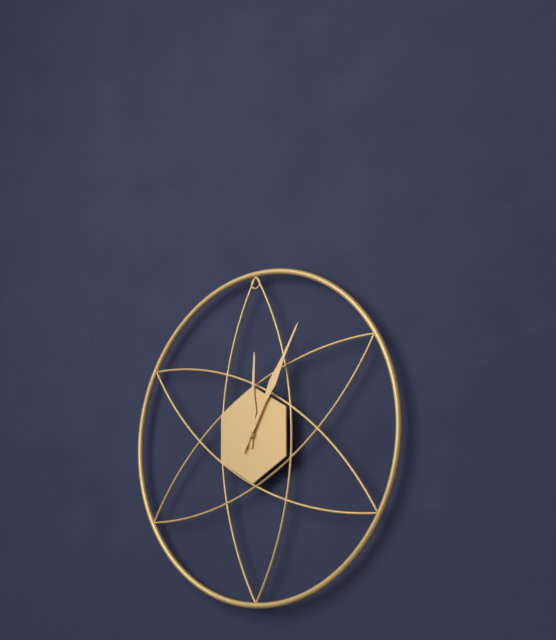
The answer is 12:05
